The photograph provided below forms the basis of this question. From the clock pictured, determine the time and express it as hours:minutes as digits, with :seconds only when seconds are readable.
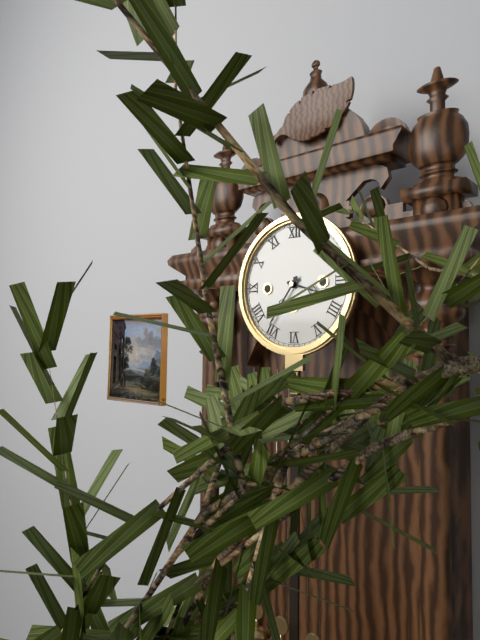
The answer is 3:36
